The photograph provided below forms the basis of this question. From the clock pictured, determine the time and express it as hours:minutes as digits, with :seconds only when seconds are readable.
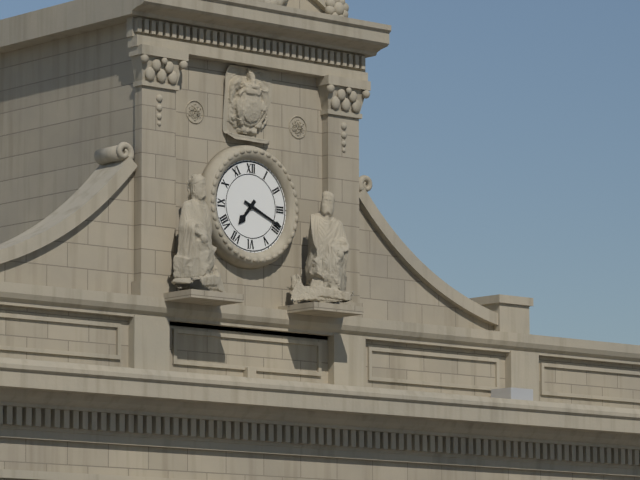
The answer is 7:19
